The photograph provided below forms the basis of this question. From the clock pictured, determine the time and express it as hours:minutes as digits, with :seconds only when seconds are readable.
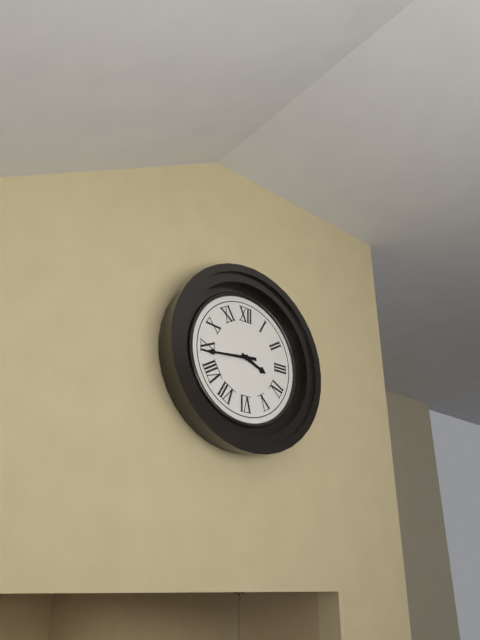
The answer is 3:44
